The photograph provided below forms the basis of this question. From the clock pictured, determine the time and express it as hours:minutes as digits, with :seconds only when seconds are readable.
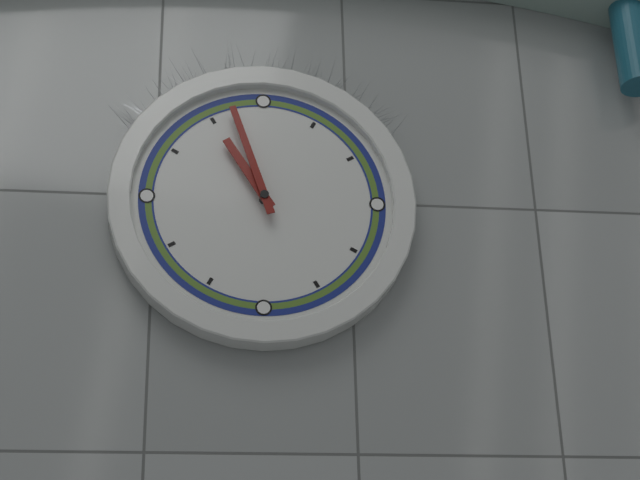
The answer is 10:57
